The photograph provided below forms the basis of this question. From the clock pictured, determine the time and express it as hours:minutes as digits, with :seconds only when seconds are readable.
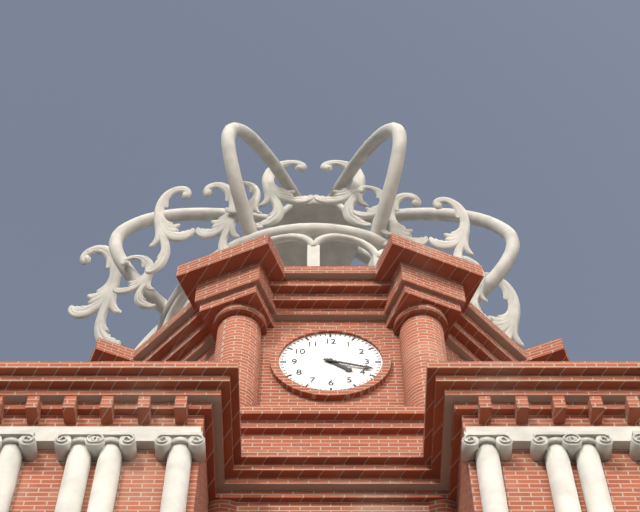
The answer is 4:18
